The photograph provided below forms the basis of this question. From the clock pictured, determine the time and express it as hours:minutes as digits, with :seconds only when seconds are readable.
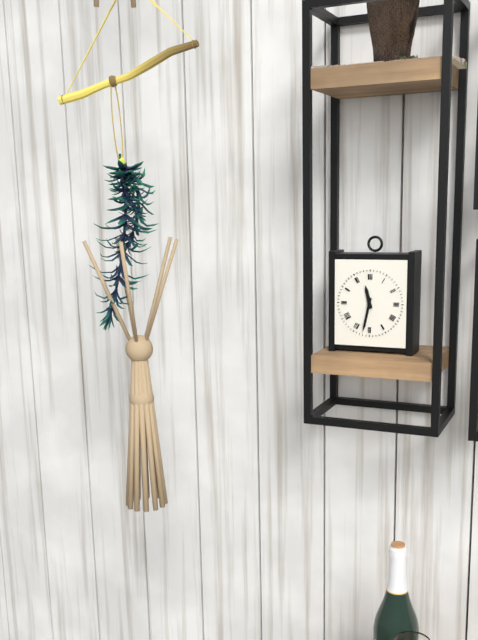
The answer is 11:32
